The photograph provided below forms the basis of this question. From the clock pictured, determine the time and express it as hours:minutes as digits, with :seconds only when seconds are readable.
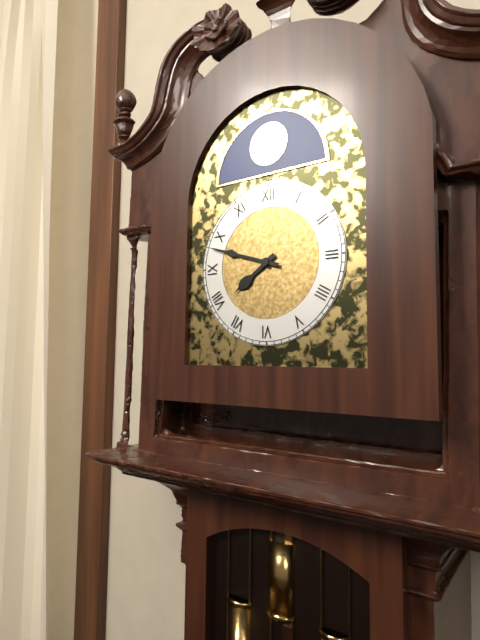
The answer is 7:48
